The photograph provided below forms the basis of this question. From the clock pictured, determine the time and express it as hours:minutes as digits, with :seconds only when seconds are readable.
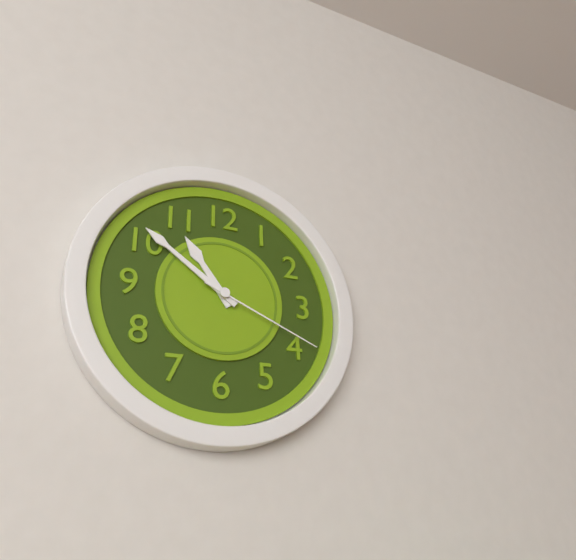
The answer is 10:51:19
